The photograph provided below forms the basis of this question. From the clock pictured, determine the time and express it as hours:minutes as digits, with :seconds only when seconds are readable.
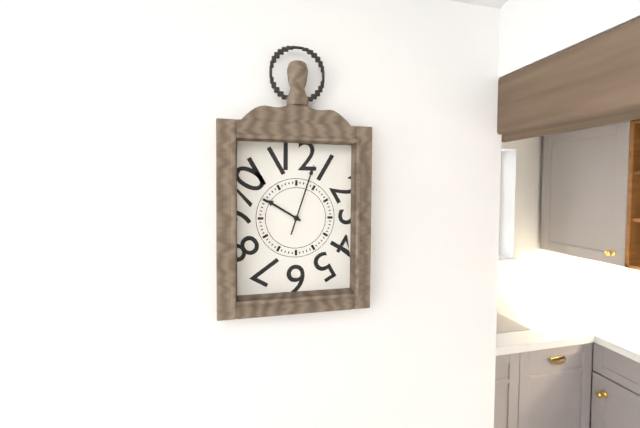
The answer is 10:03
